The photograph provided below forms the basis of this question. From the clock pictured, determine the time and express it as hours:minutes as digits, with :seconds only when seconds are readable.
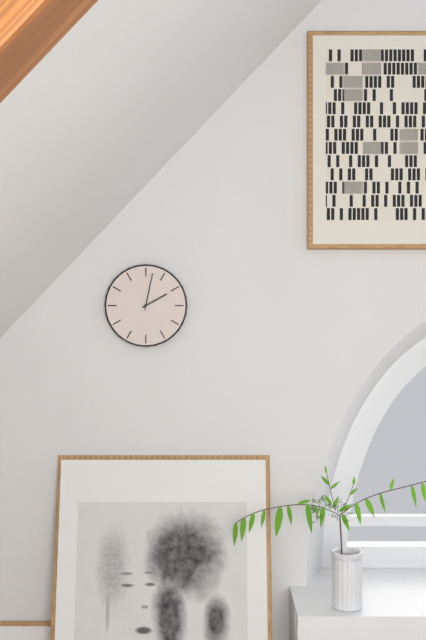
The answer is 2:02
